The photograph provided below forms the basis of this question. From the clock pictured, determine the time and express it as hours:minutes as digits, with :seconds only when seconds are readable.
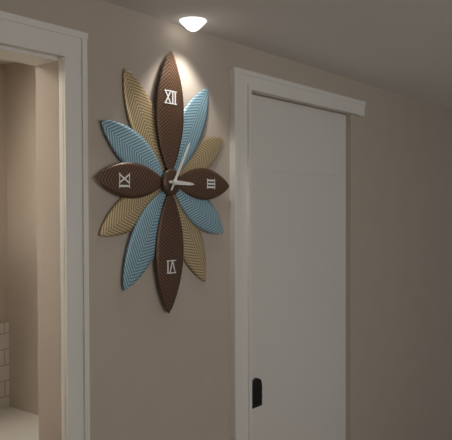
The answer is 3:05
